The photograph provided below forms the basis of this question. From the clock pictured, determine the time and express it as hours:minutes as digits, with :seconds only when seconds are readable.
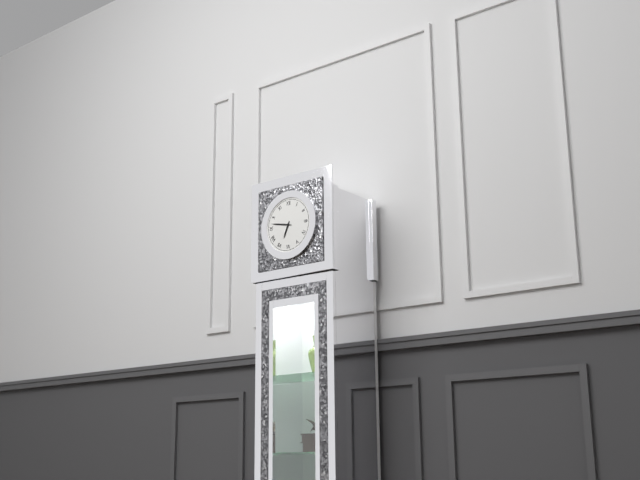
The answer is 6:47
